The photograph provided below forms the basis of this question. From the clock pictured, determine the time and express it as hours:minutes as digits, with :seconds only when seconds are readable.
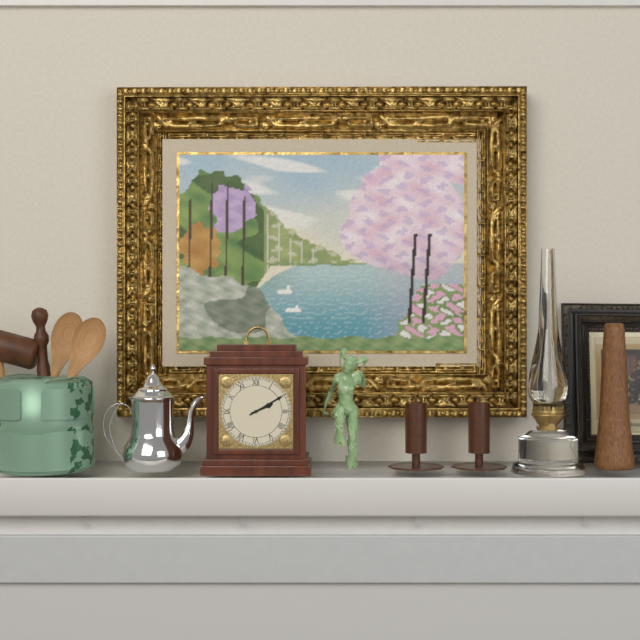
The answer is 2:10
